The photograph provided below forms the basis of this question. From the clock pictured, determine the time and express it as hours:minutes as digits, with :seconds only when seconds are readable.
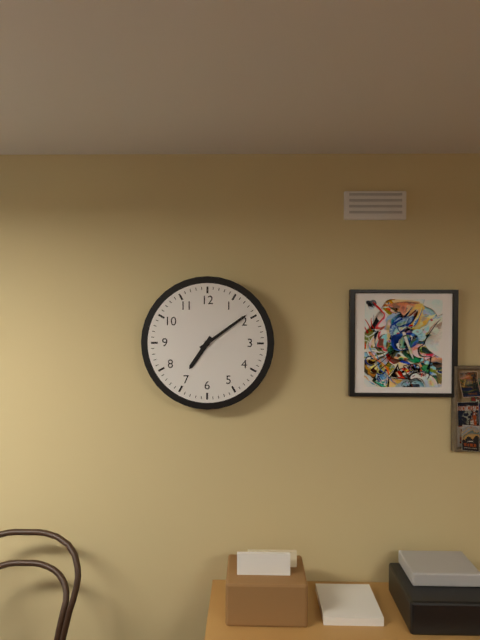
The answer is 7:09
